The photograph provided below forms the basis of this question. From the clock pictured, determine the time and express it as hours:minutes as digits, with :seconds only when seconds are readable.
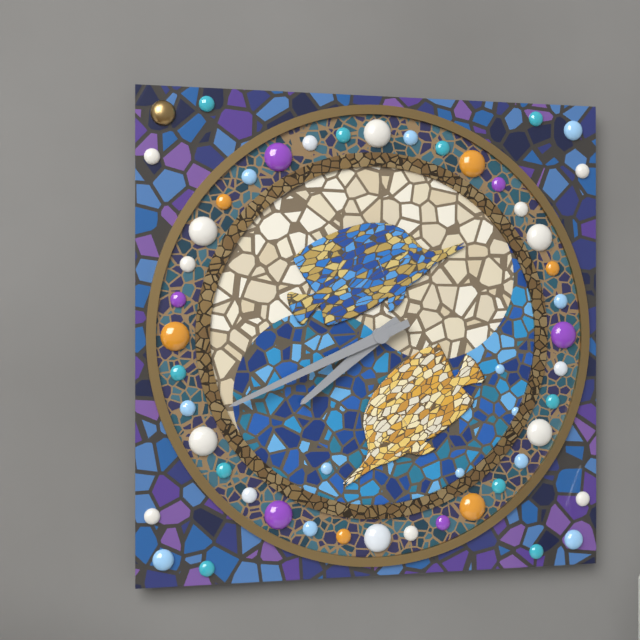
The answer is 7:41
